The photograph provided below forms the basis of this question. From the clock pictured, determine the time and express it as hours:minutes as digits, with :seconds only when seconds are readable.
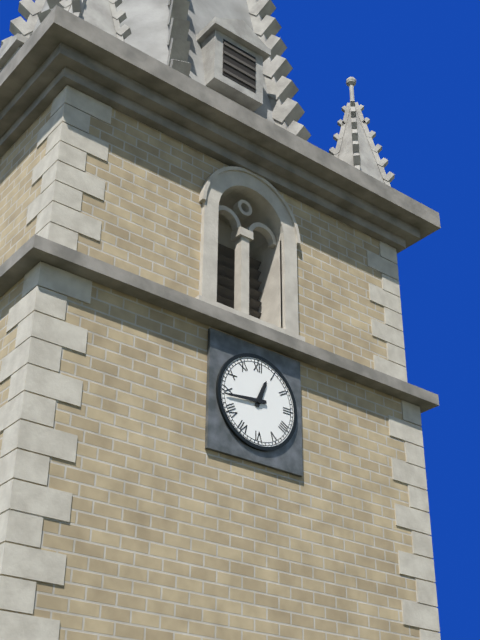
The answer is 12:44
